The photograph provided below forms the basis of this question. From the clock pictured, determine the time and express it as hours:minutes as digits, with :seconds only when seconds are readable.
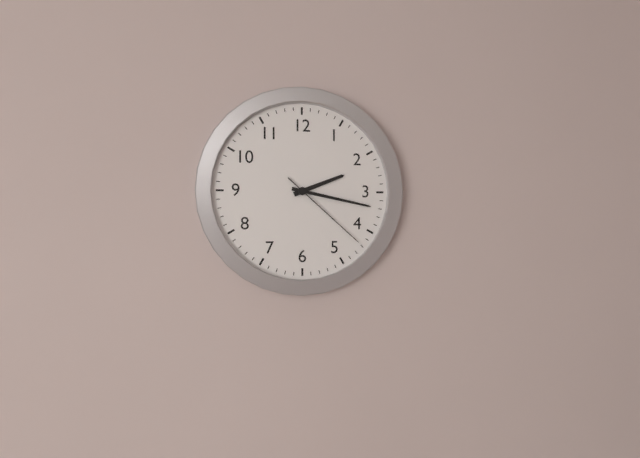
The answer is 2:17:22
